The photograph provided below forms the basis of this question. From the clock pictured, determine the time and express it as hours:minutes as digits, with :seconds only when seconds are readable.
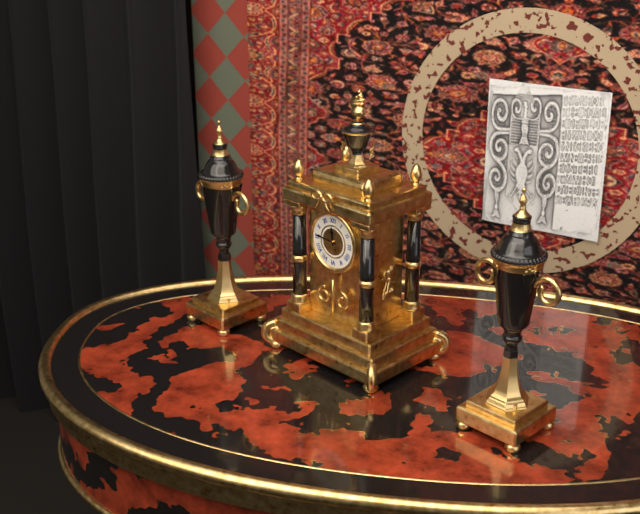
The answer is 11:46
